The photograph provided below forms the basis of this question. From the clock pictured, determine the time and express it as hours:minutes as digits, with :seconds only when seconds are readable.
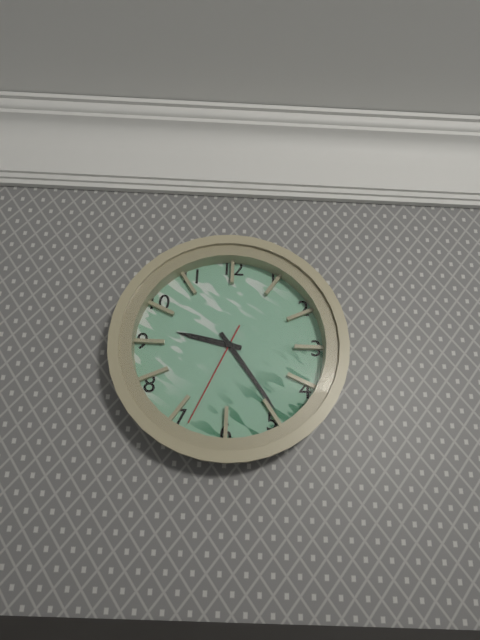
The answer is 9:24:34
